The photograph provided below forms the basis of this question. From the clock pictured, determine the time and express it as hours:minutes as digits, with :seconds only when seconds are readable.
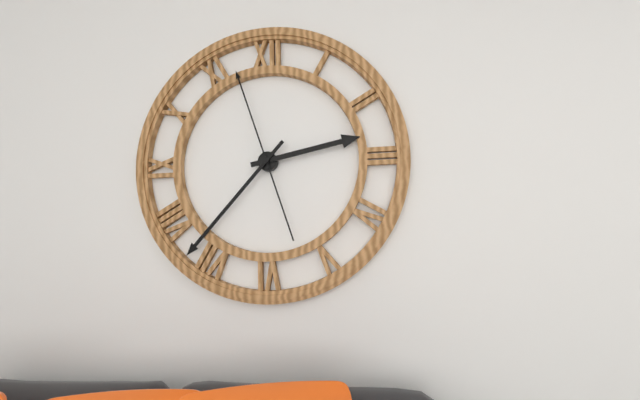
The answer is 2:37:57
